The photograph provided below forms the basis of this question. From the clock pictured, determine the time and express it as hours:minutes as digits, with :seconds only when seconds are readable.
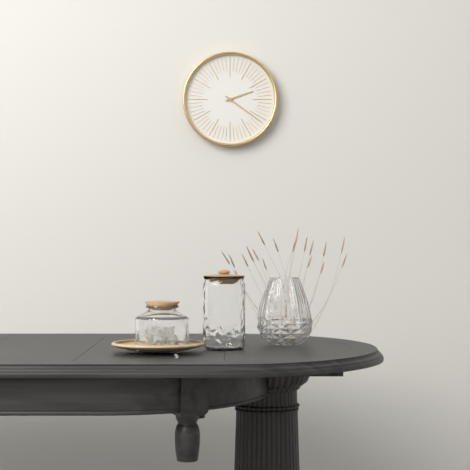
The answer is 2:21
